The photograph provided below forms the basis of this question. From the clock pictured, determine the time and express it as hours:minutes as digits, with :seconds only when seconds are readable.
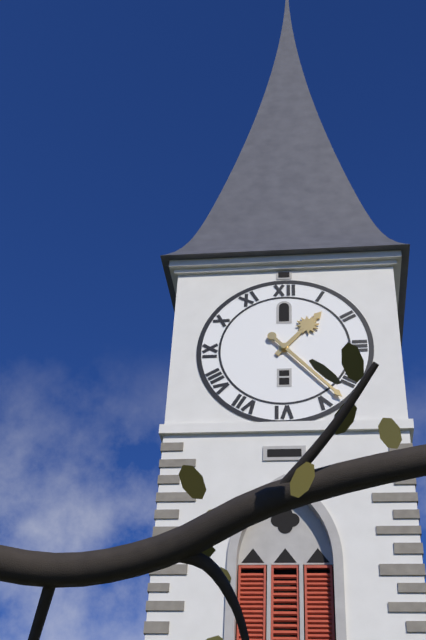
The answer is 1:23
